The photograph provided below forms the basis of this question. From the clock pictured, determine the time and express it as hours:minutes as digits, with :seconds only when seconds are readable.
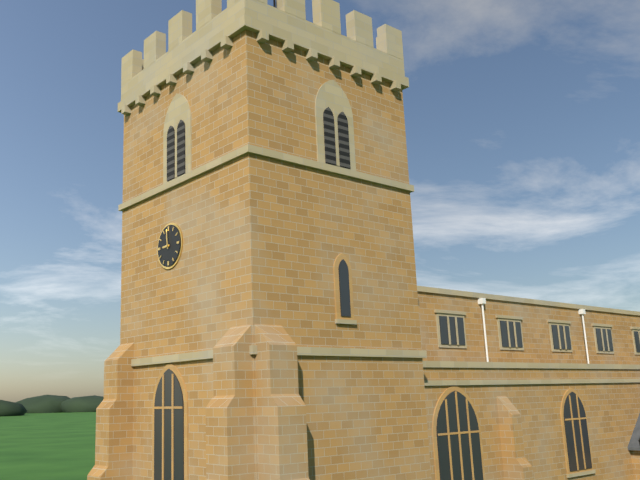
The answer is 8:59
